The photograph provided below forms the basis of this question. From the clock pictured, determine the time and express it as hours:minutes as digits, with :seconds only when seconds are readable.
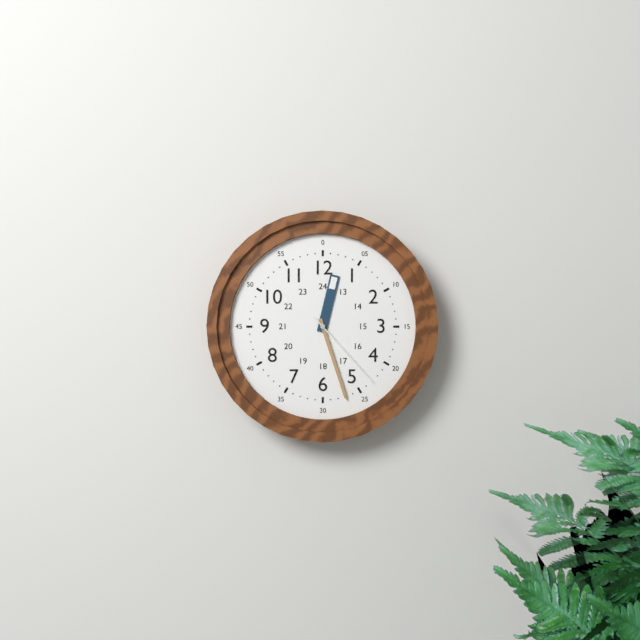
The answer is 12:27:23
